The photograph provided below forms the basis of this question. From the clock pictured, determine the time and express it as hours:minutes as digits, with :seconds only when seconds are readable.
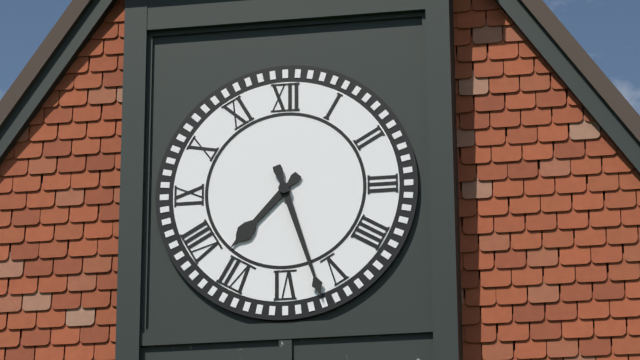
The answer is 7:27
